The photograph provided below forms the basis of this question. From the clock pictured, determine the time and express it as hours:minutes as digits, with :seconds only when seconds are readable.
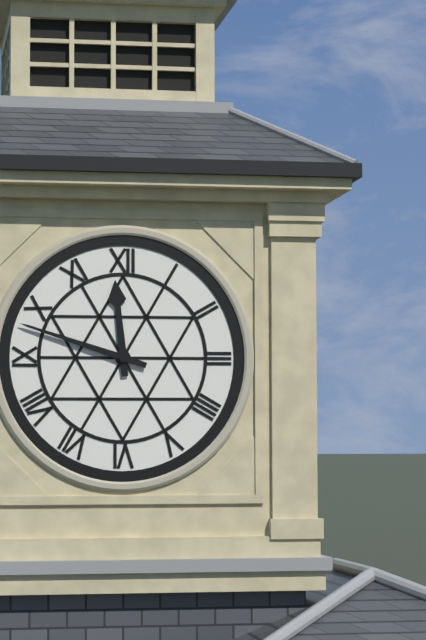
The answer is 11:48
